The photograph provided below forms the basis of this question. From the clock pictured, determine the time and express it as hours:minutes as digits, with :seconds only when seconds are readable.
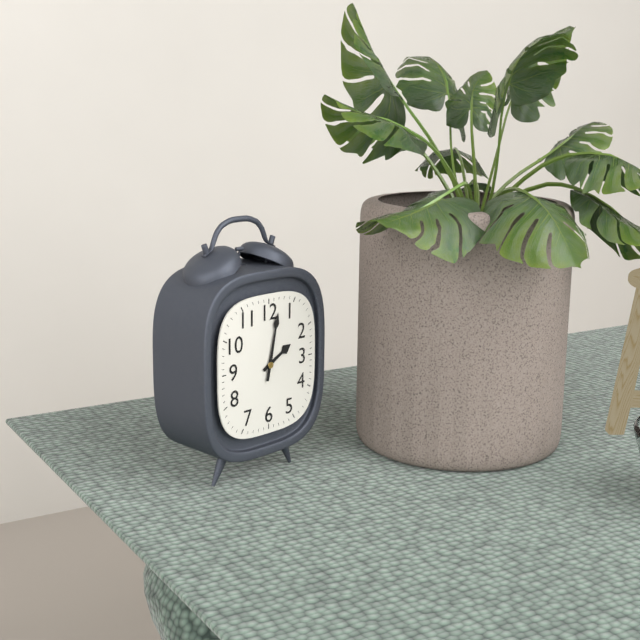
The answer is 2:02
